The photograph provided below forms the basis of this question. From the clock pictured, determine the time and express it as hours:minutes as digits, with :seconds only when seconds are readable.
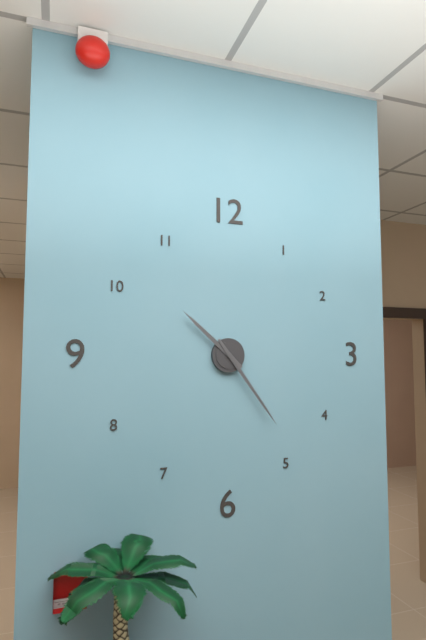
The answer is 10:24
